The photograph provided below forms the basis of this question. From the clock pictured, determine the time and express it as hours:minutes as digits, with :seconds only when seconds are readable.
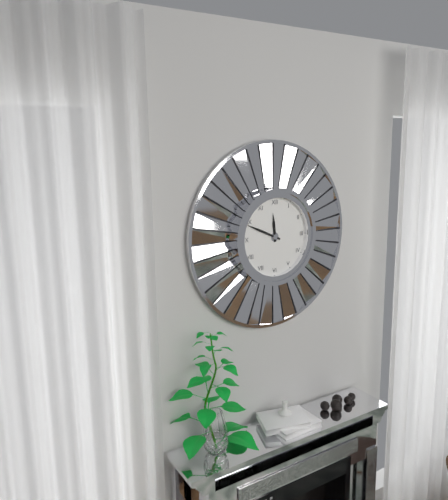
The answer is 11:49
